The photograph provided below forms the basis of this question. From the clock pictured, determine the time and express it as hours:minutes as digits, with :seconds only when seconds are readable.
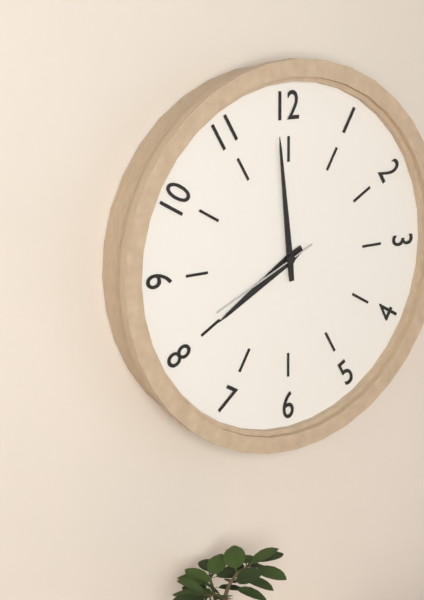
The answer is 7:59:41
